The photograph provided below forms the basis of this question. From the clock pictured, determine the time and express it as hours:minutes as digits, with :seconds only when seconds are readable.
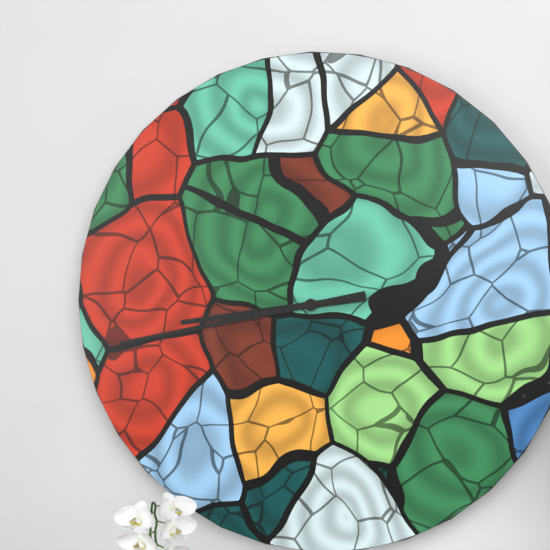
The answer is 8:43
